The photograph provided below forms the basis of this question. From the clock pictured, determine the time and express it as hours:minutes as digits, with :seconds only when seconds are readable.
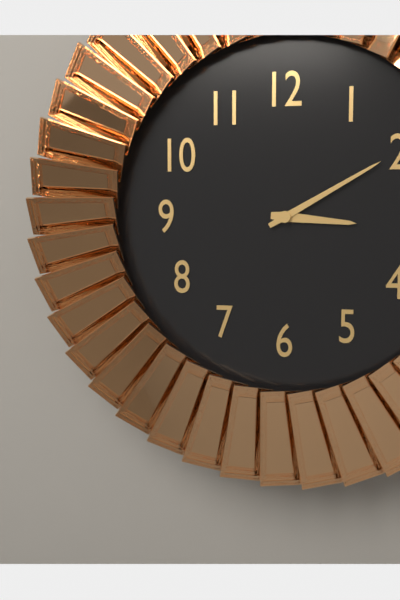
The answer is 3:10
